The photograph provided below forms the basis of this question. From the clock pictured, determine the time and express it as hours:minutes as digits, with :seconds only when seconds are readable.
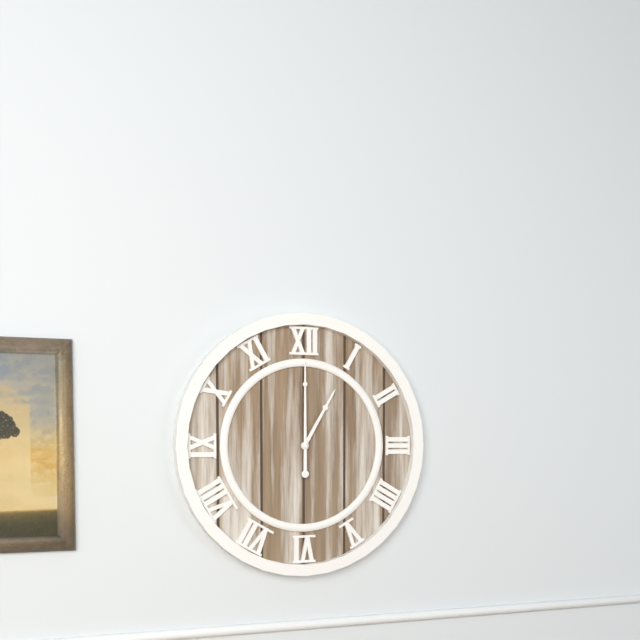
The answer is 1:00
